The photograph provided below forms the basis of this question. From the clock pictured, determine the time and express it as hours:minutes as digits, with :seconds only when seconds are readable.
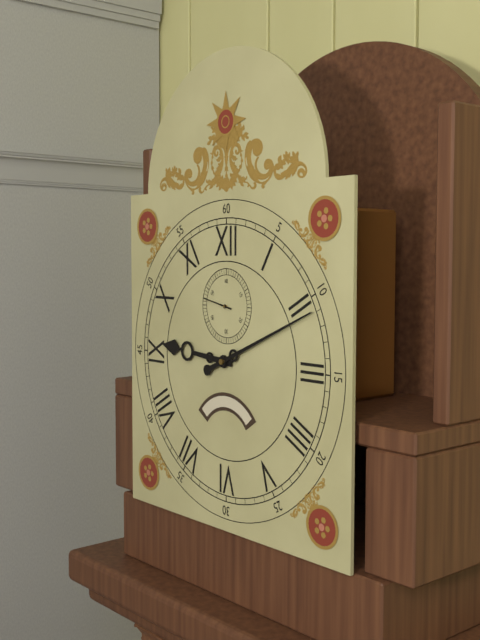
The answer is 9:11
